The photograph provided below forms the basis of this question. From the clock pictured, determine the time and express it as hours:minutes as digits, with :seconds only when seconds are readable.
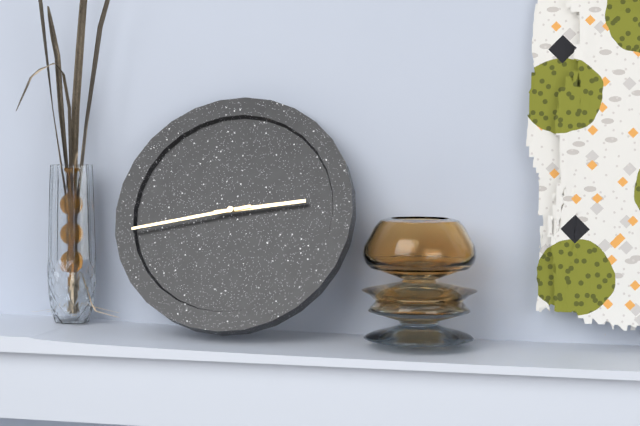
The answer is 2:43
